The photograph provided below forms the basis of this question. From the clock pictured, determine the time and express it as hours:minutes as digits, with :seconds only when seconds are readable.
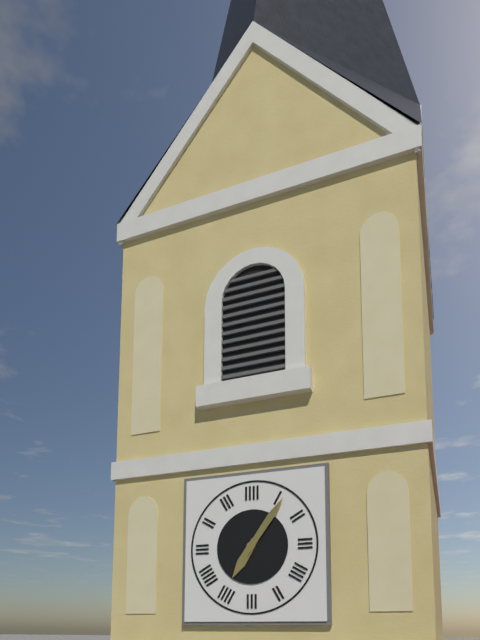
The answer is 7:06
